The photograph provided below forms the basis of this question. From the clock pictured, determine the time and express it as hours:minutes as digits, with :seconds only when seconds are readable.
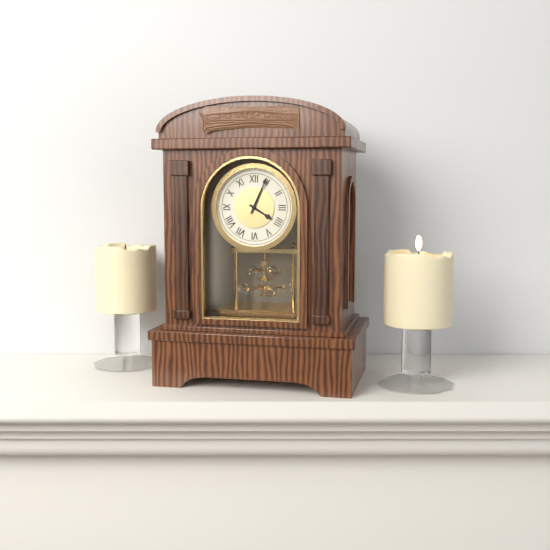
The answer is 4:04
